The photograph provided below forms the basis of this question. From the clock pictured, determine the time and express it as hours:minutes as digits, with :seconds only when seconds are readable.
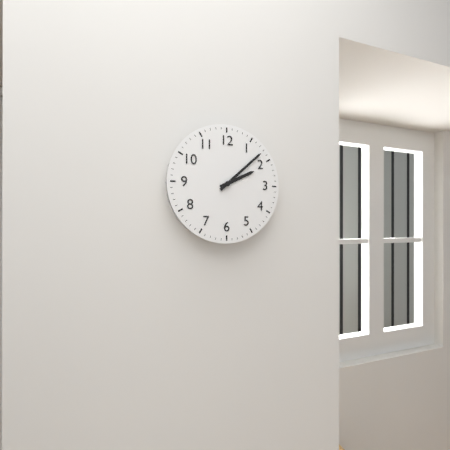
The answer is 2:08
